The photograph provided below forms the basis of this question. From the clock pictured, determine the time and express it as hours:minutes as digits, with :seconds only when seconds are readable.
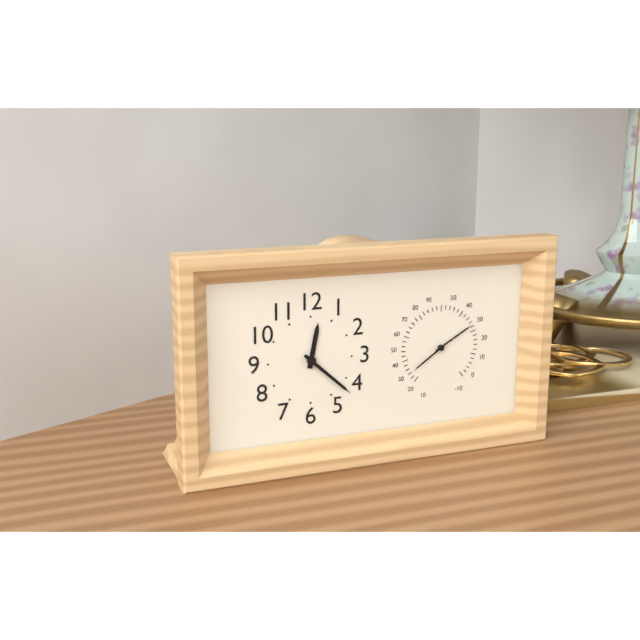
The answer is 12:22
